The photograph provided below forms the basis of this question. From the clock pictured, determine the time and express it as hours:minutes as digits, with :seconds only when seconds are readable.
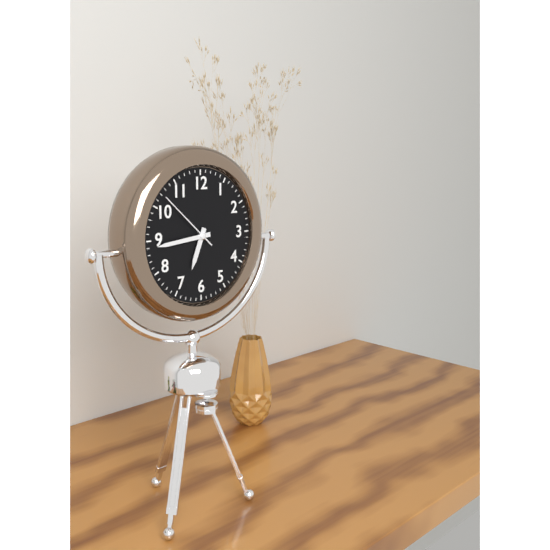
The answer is 6:44:52
